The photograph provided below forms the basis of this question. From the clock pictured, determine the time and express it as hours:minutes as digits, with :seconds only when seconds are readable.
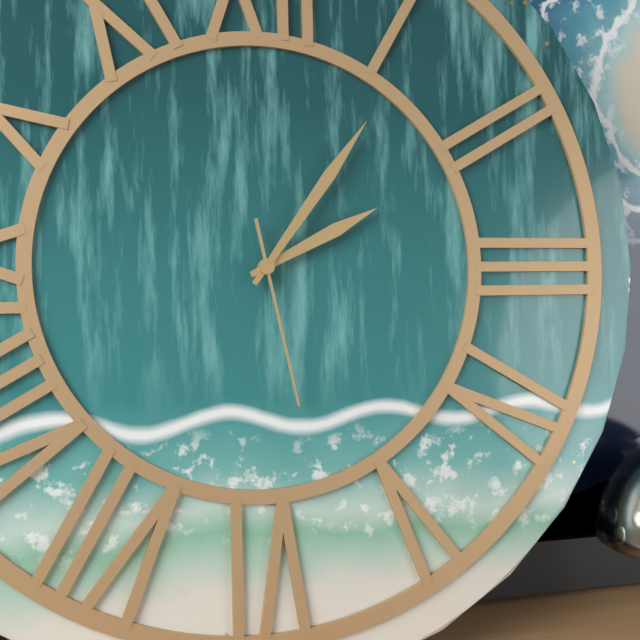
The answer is 2:06:28
